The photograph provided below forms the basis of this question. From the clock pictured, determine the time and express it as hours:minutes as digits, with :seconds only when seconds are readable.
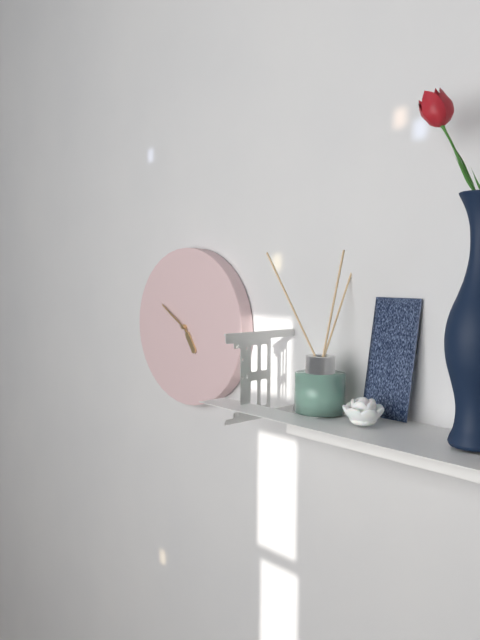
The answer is 4:50
